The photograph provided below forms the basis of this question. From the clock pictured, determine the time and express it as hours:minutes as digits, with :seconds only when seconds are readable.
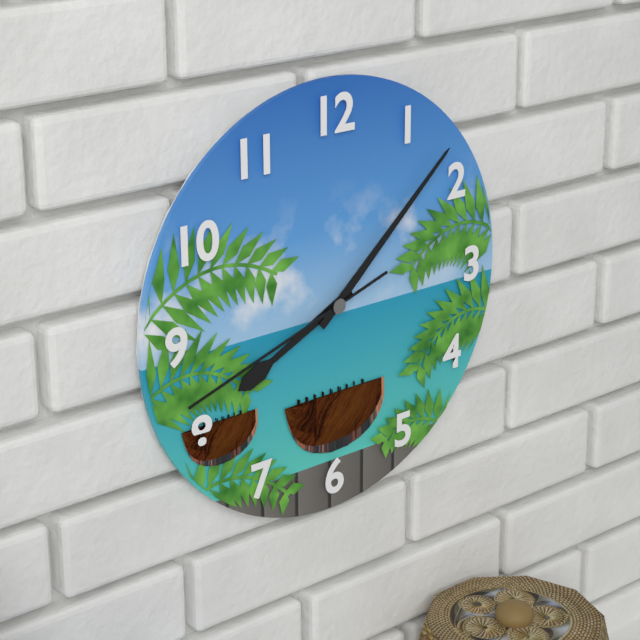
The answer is 8:08:42
